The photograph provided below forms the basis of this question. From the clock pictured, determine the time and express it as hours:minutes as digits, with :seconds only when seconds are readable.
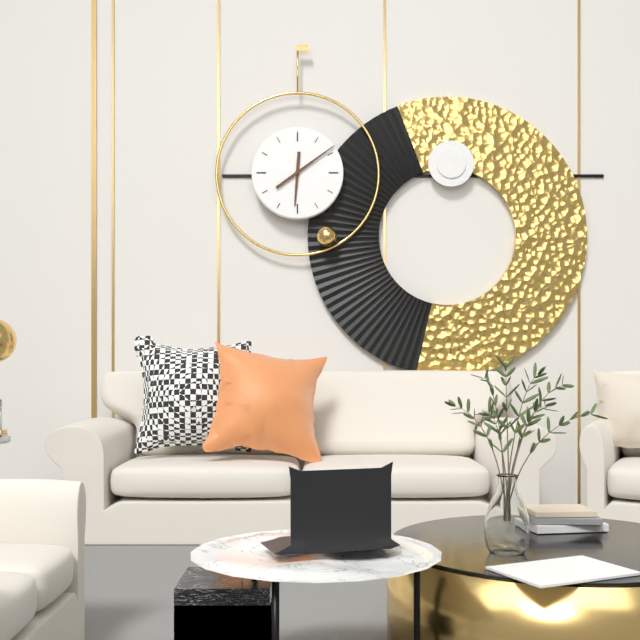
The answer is 6:09
